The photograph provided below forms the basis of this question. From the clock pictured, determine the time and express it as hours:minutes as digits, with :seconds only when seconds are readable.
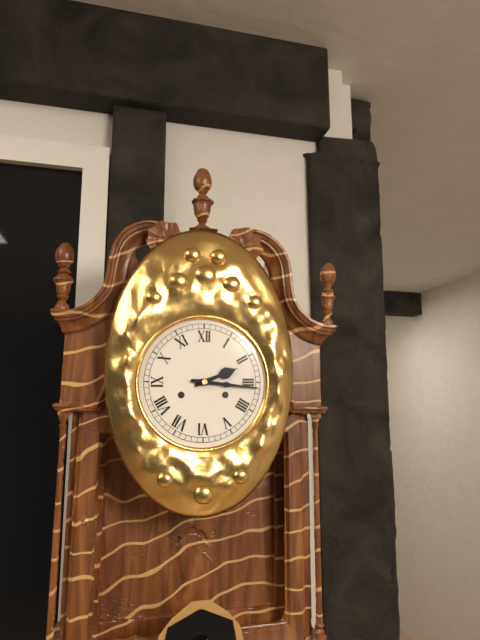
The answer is 2:16
